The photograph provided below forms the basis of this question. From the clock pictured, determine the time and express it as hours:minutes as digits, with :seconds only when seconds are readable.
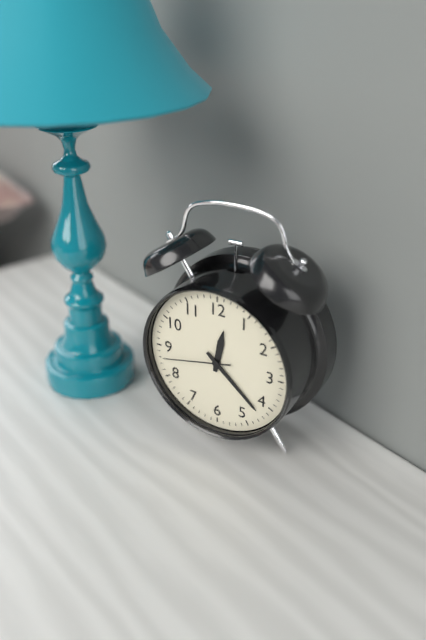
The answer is 12:22:43
